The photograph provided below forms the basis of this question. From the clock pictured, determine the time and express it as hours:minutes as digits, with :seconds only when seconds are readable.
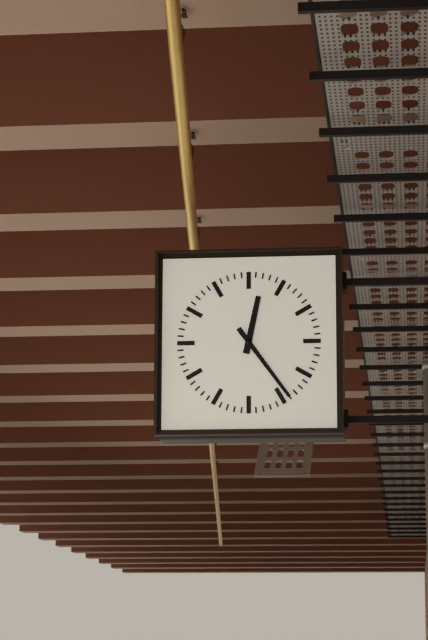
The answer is 12:24
